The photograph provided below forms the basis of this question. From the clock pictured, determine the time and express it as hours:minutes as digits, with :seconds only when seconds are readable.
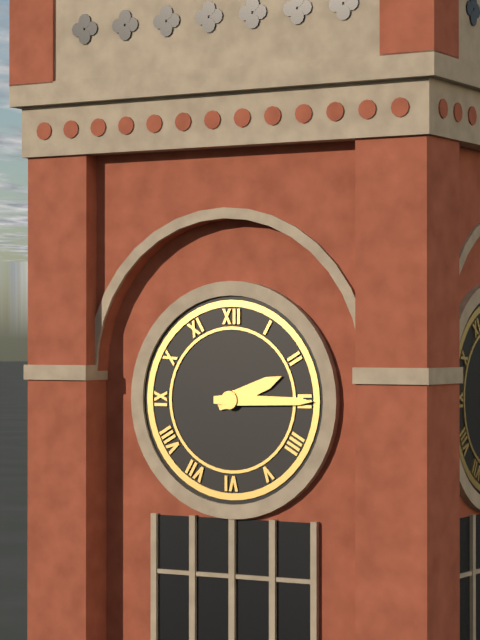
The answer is 2:15
